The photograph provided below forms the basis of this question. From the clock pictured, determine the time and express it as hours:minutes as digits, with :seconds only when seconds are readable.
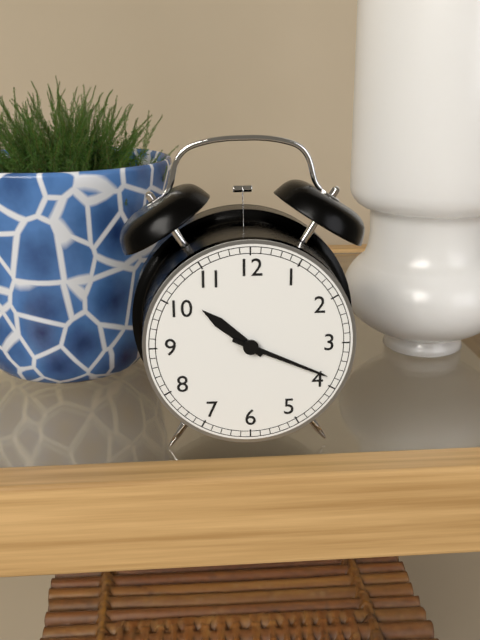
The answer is 10:19
